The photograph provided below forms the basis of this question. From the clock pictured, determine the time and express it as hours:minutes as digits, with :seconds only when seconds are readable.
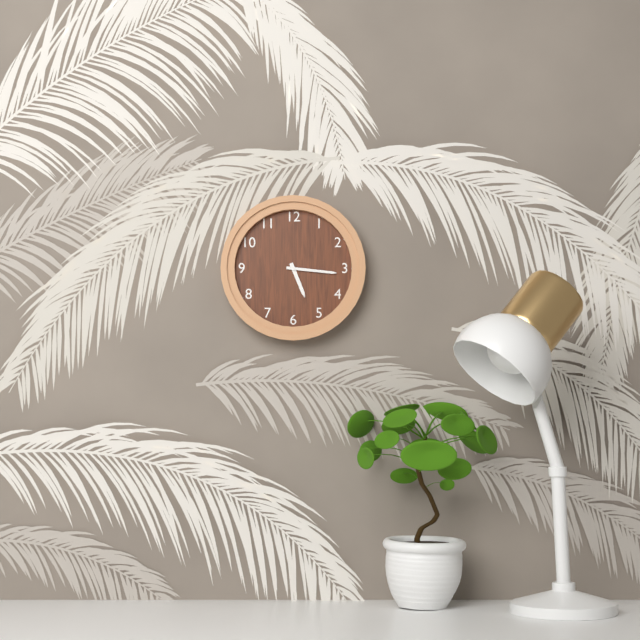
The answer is 5:16
